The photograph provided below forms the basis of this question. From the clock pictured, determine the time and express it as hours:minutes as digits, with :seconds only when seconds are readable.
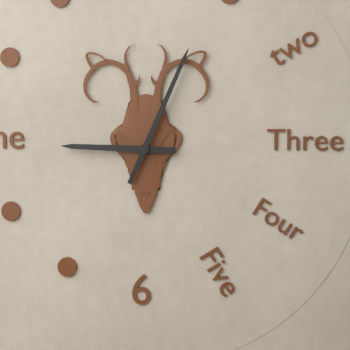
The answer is 9:04
